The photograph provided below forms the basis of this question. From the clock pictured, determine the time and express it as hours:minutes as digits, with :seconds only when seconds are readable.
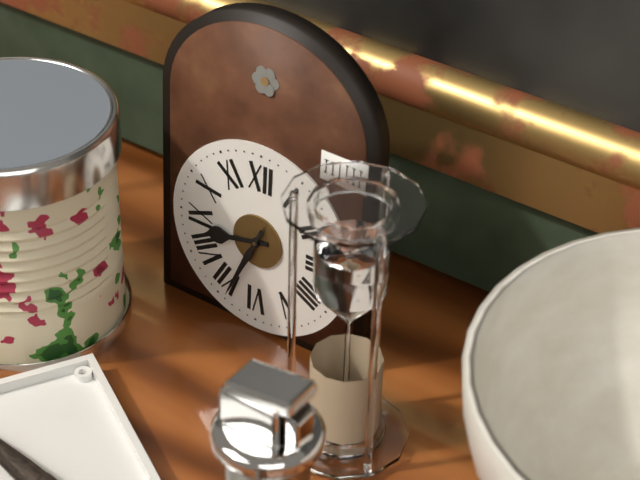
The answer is 8:34
